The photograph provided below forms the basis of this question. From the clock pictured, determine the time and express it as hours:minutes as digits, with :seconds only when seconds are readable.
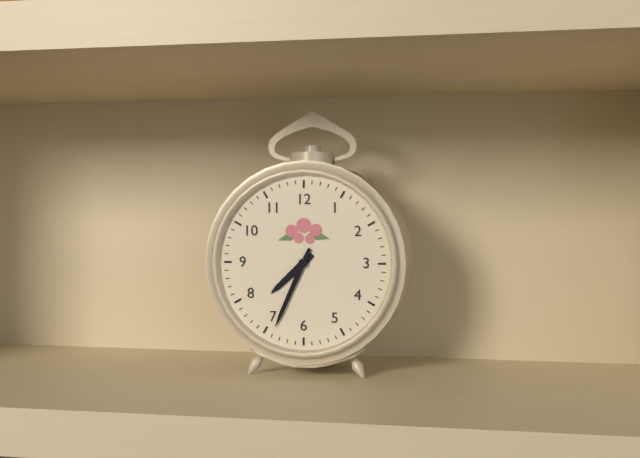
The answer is 7:34
